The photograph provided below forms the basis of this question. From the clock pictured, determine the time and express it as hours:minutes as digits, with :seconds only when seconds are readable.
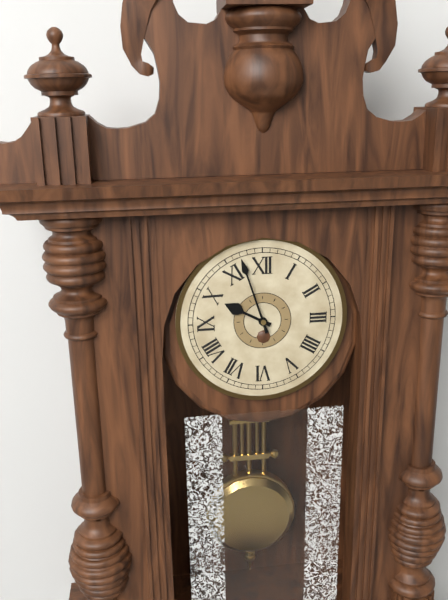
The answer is 9:57
